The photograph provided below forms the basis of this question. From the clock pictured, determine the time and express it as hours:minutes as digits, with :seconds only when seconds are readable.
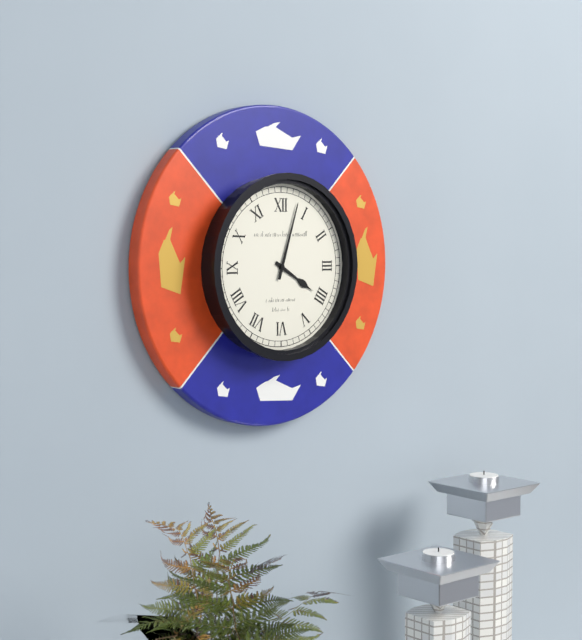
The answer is 4:03
